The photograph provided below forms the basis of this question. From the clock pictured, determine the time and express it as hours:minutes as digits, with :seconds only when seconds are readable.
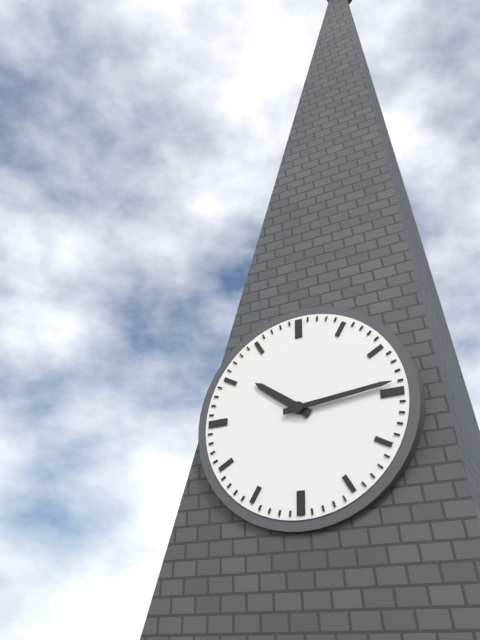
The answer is 10:14
